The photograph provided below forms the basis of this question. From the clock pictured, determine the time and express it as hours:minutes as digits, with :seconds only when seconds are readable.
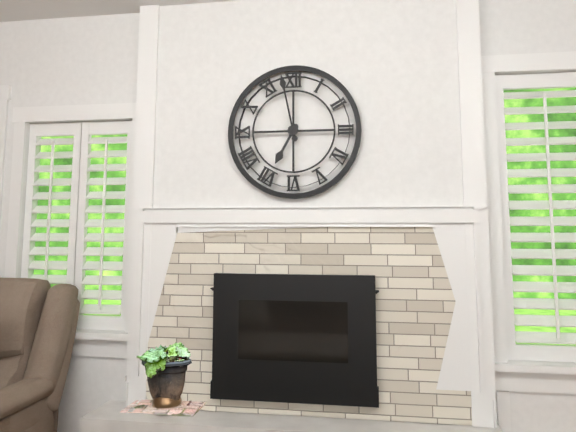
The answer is 6:58
